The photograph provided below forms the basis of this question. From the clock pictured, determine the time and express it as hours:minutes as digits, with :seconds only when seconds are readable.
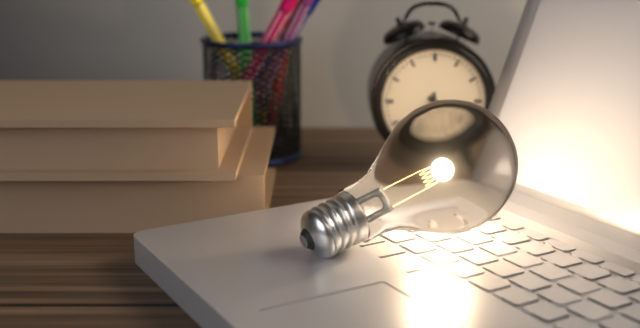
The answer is 4:30
